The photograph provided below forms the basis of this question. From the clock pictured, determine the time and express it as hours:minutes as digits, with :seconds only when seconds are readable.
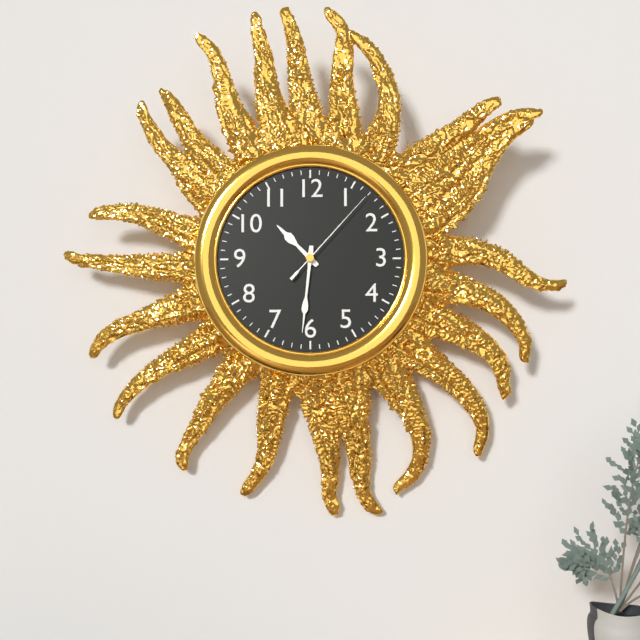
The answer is 10:31:07
